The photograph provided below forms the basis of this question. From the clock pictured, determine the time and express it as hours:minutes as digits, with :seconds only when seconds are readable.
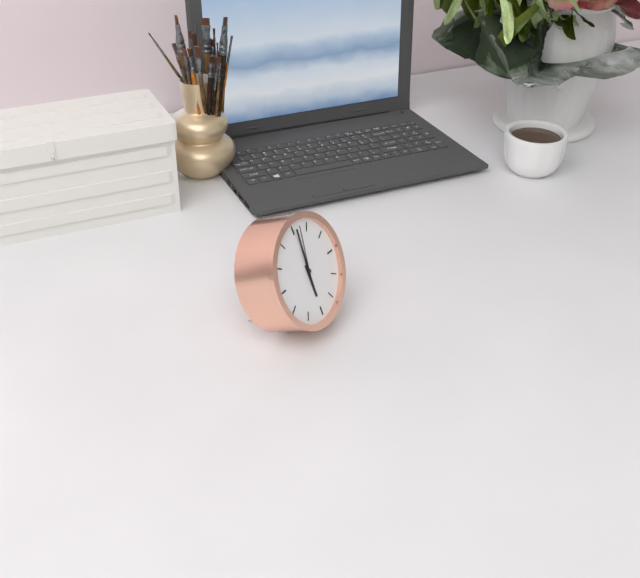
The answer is 6:01:02
